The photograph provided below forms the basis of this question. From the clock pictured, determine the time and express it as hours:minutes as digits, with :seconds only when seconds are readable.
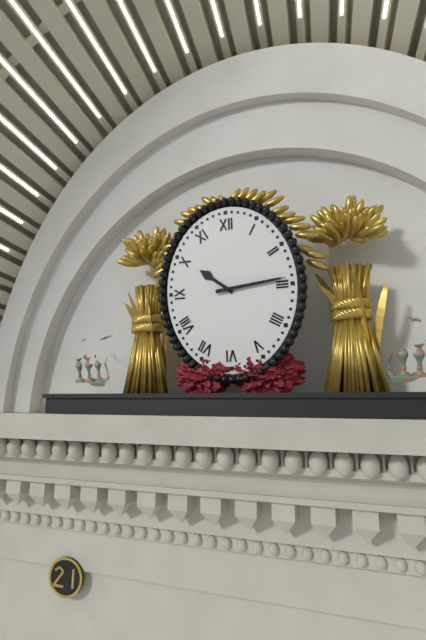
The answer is 10:14
